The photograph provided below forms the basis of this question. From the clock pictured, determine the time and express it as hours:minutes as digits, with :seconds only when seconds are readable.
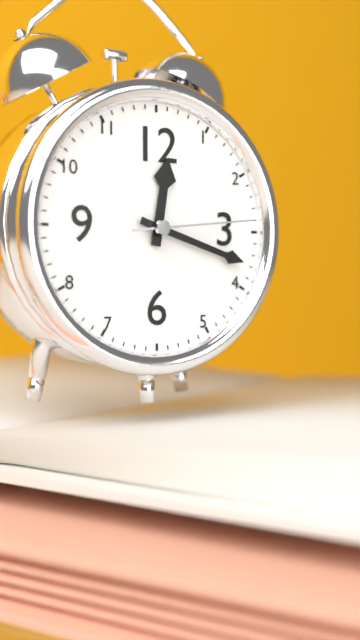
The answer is 12:18:14
